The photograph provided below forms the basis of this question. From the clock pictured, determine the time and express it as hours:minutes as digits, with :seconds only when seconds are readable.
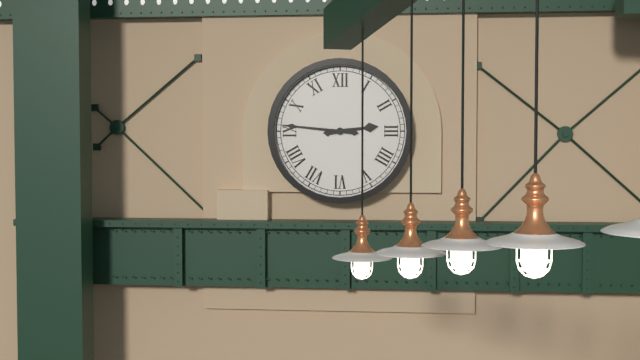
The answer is 2:46
